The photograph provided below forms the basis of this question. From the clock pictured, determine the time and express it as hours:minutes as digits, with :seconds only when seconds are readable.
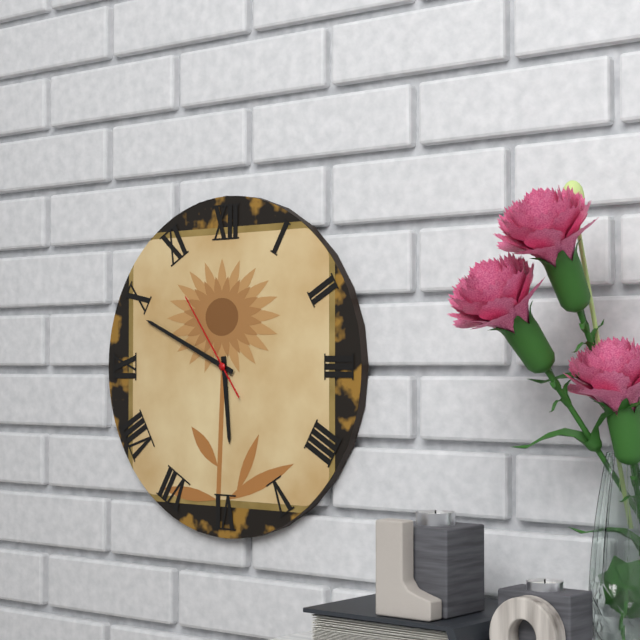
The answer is 5:49:54
